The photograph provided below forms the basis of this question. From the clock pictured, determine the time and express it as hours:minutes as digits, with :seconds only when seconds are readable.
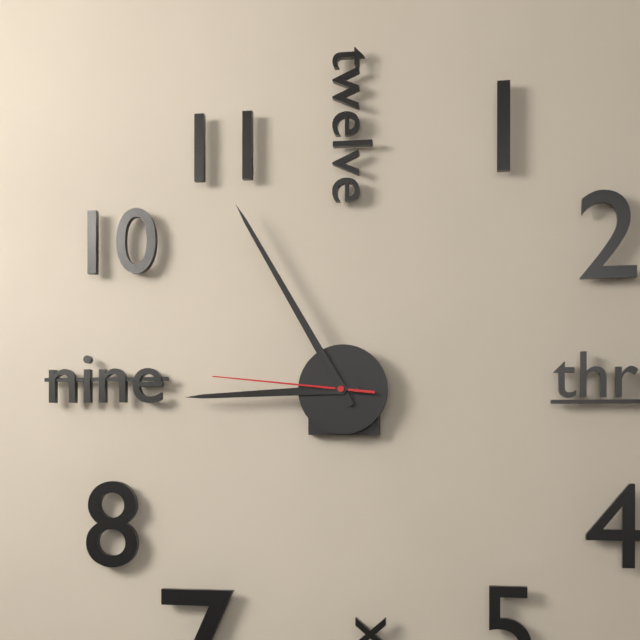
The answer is 8:55:46
